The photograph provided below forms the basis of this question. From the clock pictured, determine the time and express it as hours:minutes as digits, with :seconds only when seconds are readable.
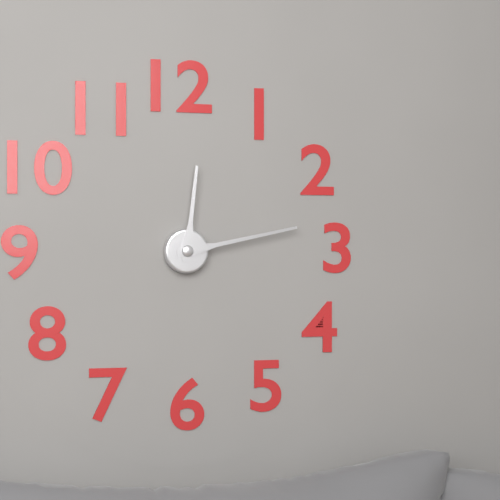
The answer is 12:13
